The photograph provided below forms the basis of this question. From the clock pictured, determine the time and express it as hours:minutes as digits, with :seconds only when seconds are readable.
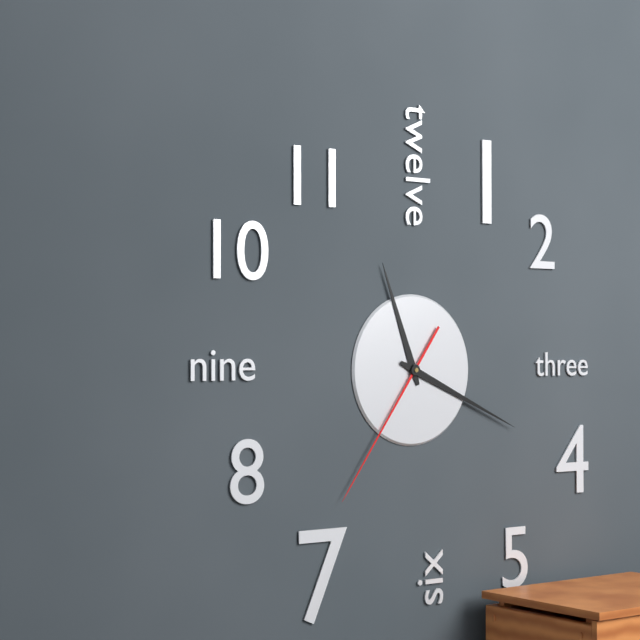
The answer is 11:19:36
